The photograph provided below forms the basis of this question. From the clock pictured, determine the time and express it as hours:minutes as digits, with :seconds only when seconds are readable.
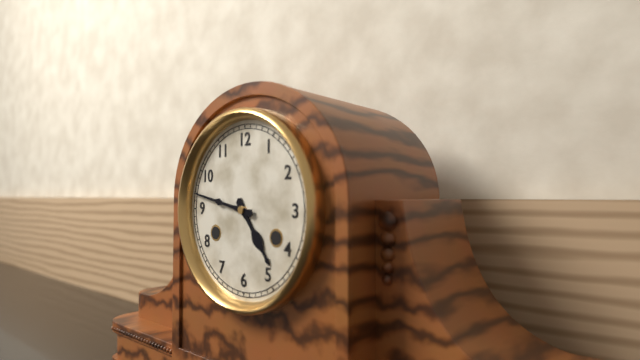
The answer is 4:47
